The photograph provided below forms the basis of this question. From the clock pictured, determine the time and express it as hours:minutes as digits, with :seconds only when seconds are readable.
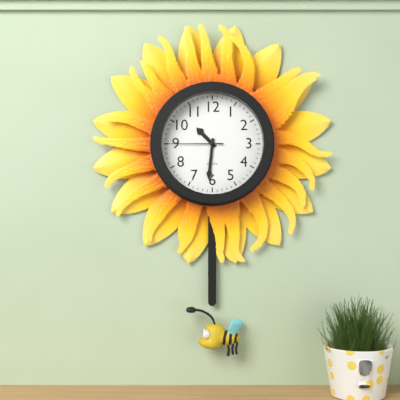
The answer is 10:31:45
